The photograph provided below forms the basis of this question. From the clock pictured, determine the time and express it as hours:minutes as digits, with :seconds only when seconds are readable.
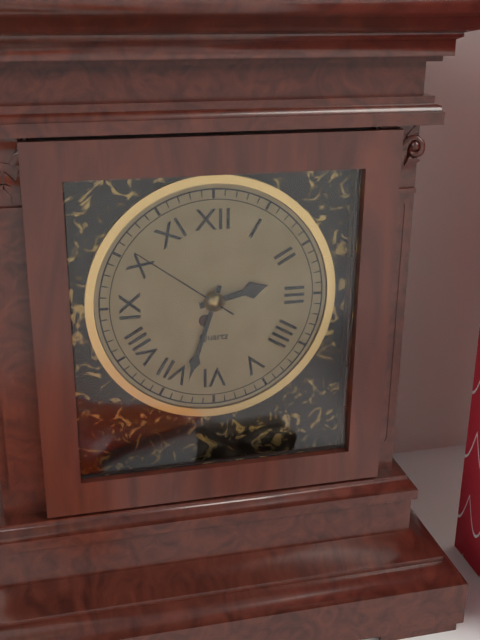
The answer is 2:33:51
